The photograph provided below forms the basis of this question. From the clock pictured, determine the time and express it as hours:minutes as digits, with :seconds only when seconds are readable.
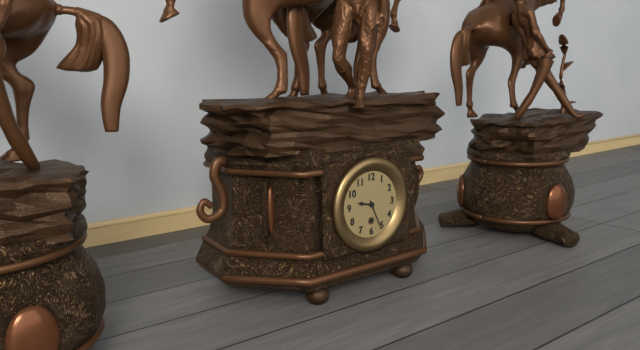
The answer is 9:26
